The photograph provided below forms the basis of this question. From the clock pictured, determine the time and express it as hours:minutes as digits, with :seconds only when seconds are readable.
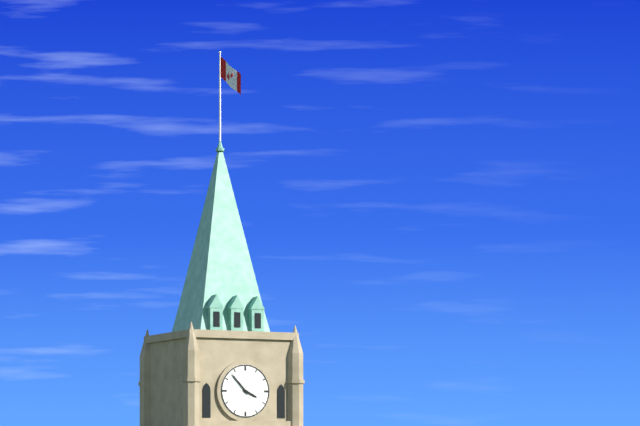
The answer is 3:53
